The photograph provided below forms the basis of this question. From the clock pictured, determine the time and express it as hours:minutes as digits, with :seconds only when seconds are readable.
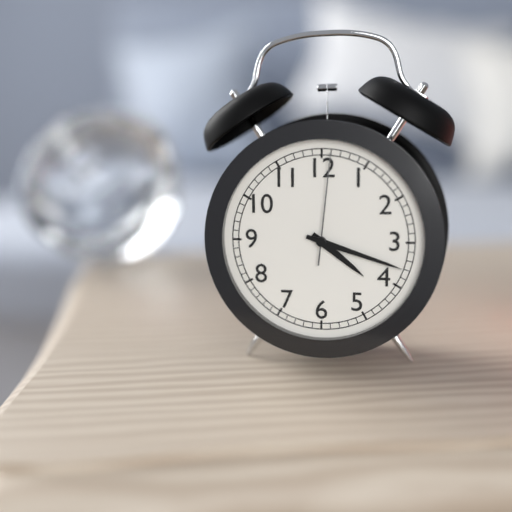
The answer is 4:18:01
